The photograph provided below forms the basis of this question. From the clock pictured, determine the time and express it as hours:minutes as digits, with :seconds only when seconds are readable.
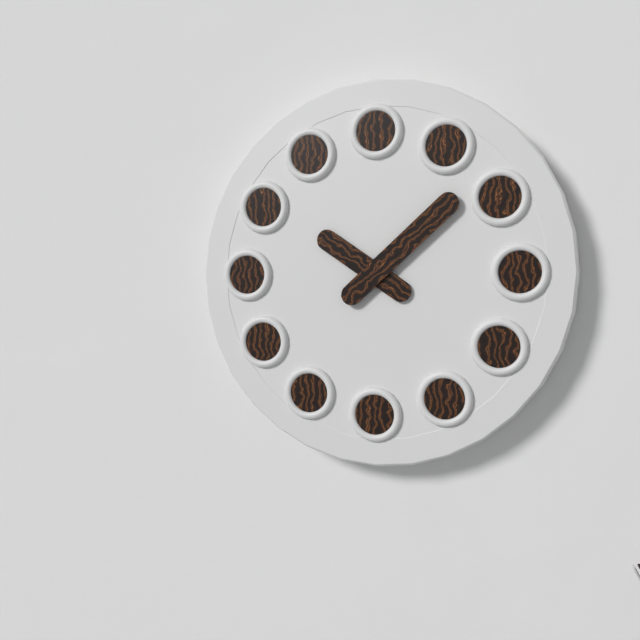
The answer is 10:08
